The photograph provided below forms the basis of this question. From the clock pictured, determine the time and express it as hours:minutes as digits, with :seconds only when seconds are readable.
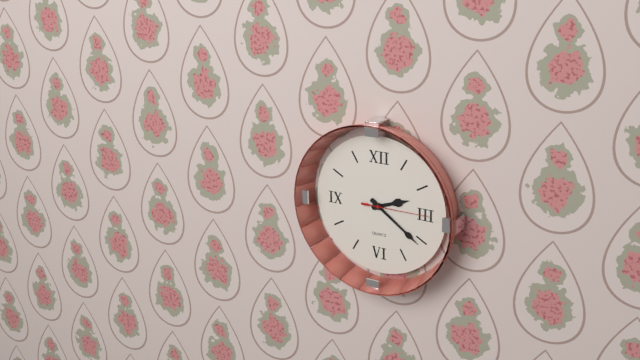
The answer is 2:21:15
